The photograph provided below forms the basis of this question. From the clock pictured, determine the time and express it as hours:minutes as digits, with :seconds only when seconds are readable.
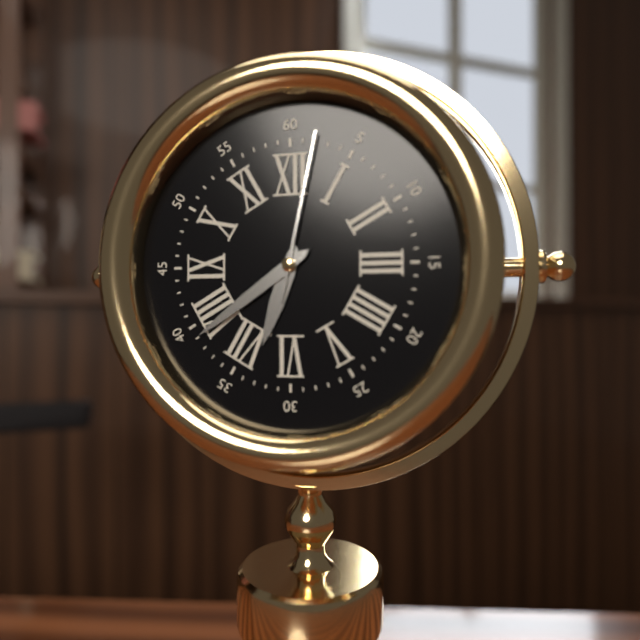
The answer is 6:39:02
